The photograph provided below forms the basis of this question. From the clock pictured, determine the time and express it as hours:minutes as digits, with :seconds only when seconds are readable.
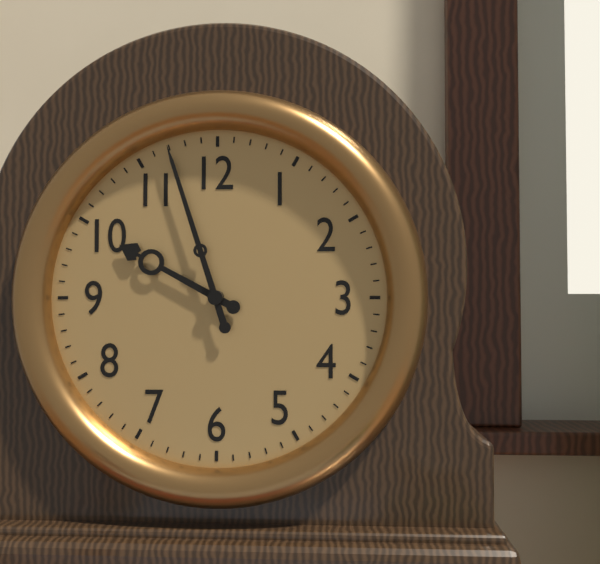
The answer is 9:57
